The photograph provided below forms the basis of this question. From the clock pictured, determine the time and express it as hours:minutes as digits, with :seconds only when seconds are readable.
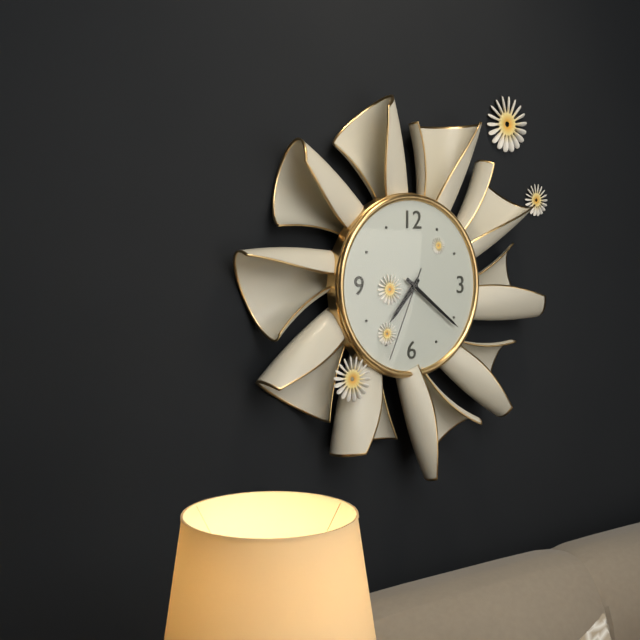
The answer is 7:21:34
